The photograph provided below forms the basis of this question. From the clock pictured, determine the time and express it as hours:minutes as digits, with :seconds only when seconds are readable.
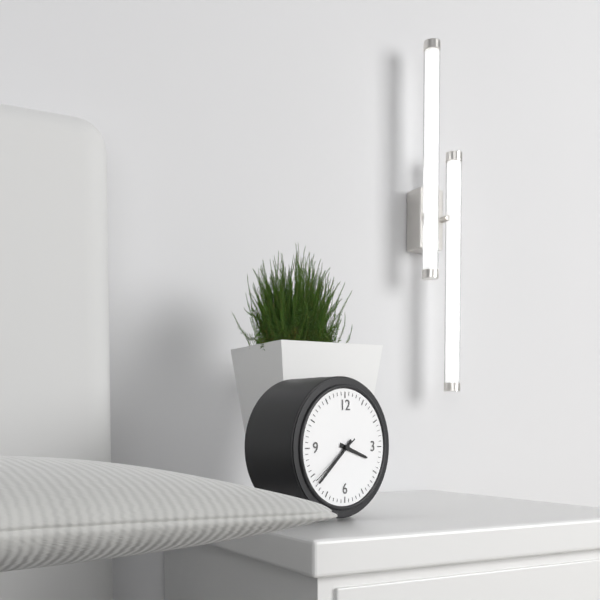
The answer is 3:38:39
